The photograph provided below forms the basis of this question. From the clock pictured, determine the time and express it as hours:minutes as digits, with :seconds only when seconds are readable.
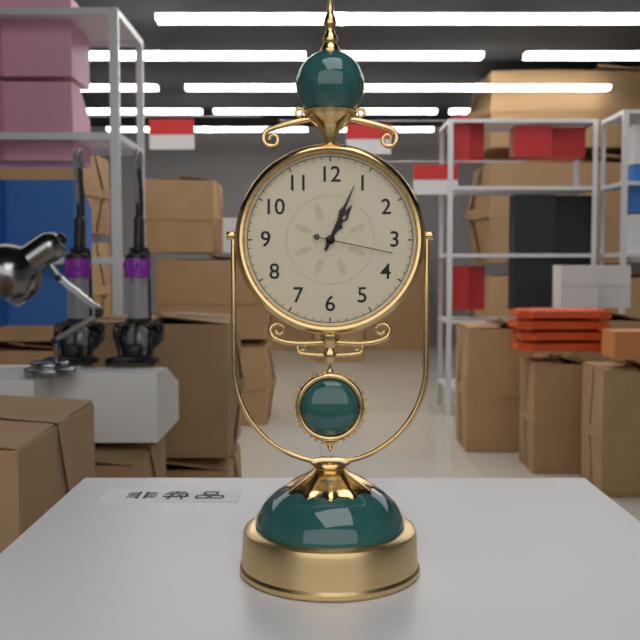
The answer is 1:04:17
